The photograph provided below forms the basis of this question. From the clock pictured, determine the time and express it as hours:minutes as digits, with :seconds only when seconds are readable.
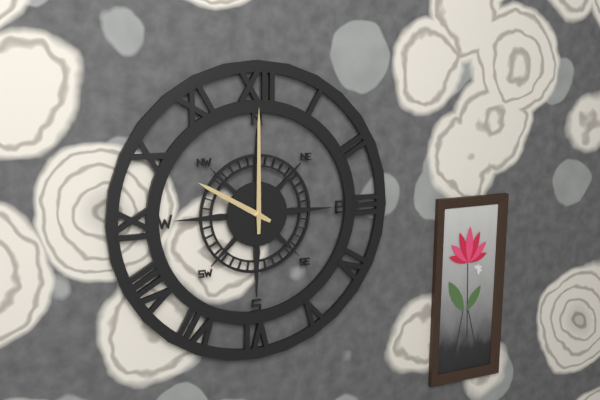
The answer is 10:00
